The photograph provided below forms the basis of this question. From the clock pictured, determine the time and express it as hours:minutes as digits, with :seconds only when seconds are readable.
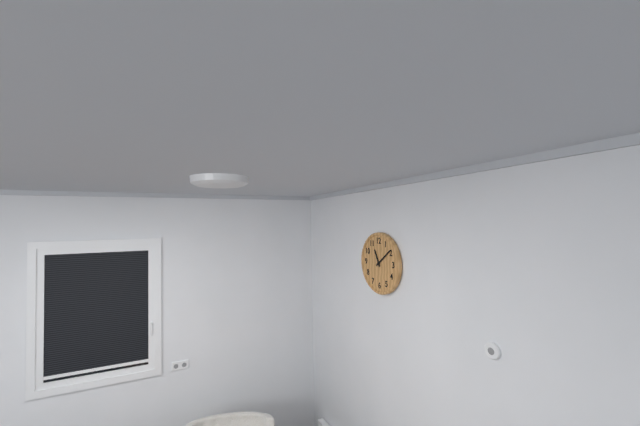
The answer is 11:09
